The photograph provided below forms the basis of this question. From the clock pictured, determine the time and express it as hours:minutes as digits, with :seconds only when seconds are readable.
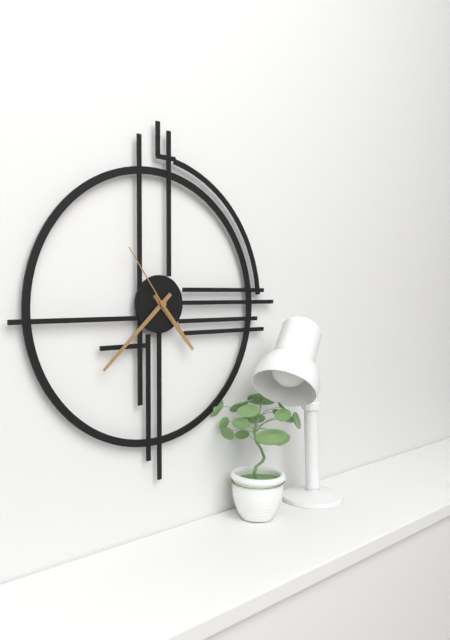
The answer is 4:38:54
